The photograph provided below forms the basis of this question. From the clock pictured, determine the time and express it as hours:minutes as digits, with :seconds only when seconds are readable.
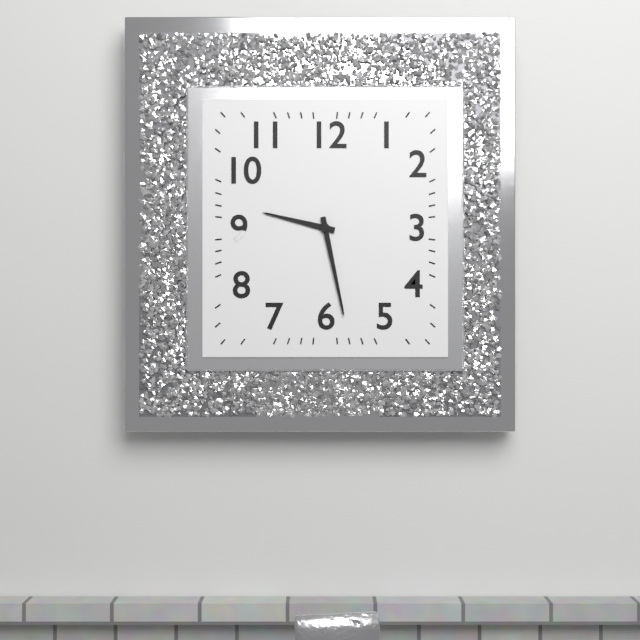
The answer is 9:28
